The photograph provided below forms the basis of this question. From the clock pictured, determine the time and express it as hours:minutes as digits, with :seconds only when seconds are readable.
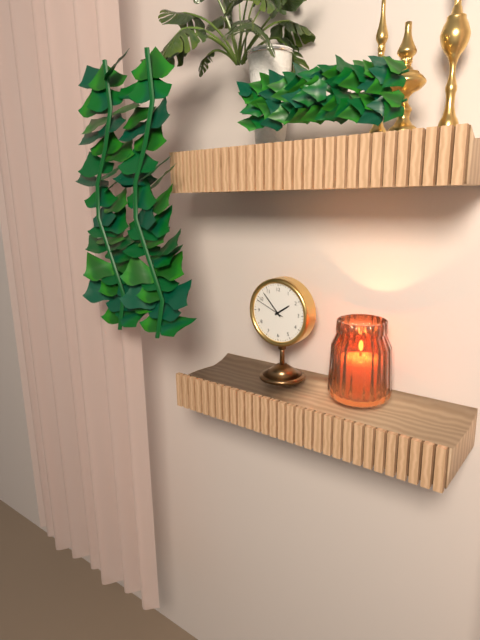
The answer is 1:53
